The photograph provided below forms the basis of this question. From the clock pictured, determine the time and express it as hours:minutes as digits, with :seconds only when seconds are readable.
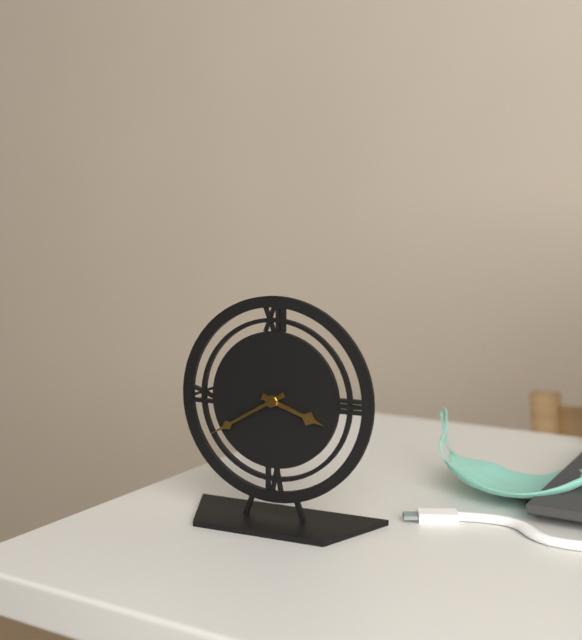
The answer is 3:40
